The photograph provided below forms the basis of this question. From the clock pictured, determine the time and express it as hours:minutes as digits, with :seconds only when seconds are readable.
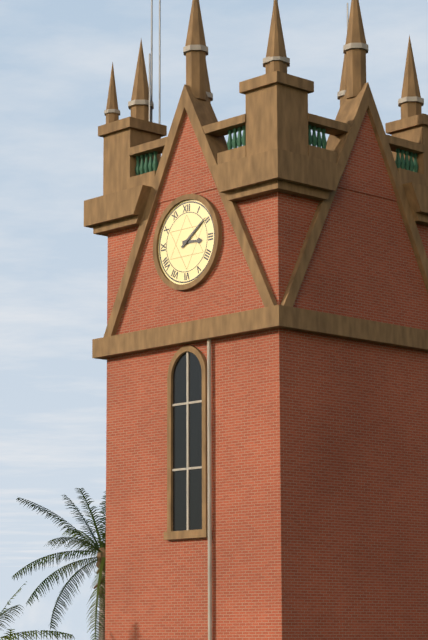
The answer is 3:09
